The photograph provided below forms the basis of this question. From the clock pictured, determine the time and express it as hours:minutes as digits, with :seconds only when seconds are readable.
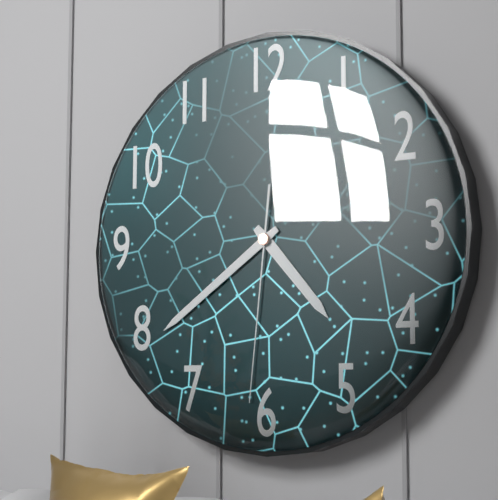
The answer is 4:39:31
